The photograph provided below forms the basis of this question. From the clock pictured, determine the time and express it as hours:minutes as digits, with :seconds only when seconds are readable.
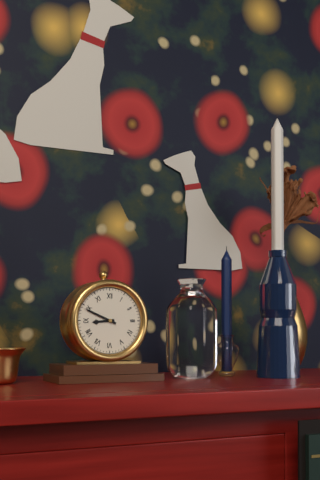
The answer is 8:49
